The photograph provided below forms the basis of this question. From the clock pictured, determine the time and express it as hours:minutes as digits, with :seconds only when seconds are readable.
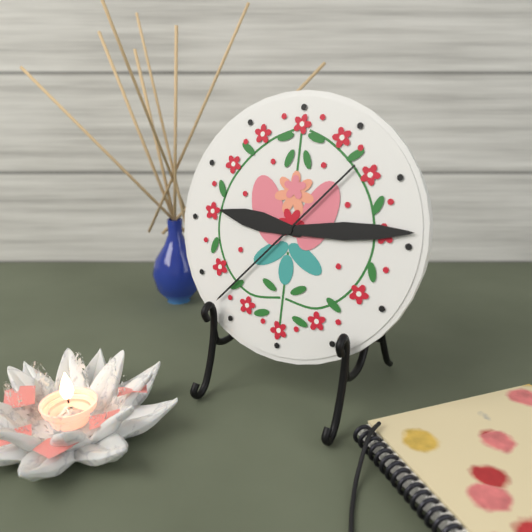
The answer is 9:14:37
